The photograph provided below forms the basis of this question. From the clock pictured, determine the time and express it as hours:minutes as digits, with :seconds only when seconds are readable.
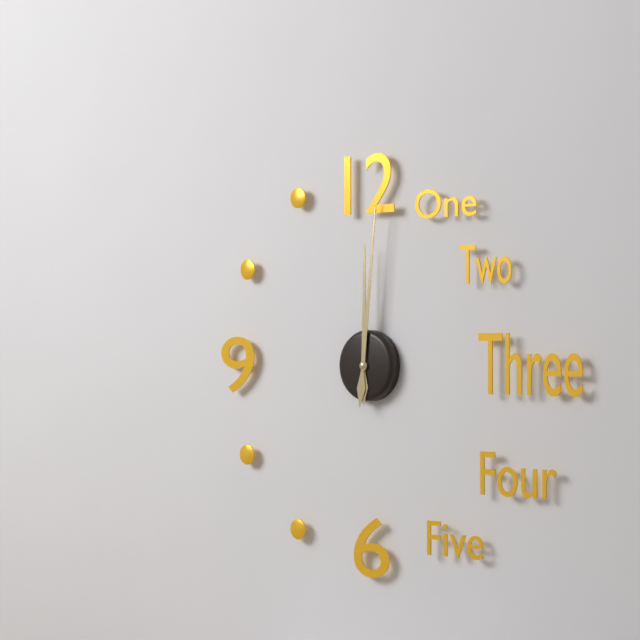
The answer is 12:01
